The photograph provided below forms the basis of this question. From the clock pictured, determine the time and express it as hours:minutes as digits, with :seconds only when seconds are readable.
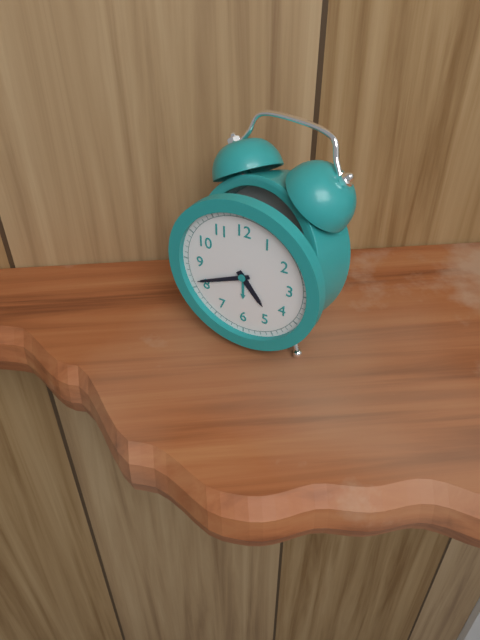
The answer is 4:41
